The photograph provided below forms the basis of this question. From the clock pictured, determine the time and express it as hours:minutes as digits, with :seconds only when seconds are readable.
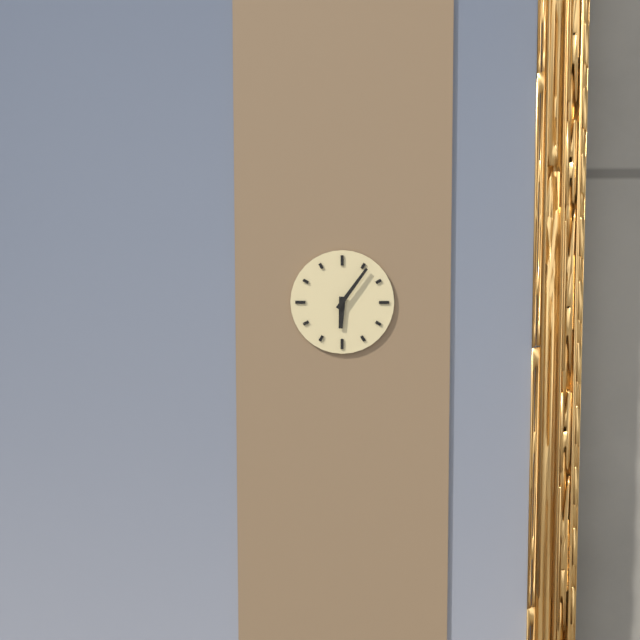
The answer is 6:06
